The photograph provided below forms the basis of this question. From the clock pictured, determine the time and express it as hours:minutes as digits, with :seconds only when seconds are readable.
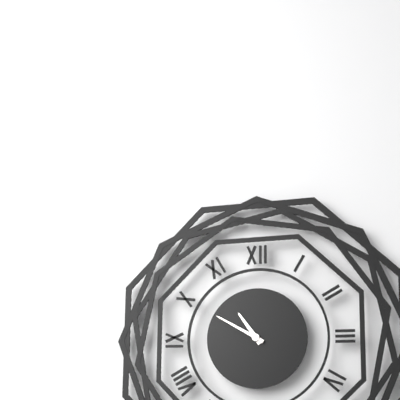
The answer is 10:50
